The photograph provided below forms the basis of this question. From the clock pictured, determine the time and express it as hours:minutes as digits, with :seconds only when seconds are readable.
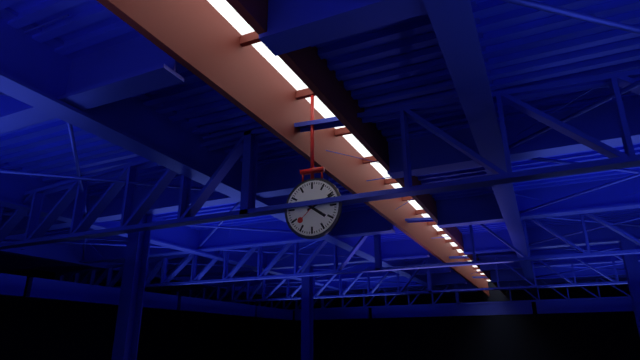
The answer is 4:11
